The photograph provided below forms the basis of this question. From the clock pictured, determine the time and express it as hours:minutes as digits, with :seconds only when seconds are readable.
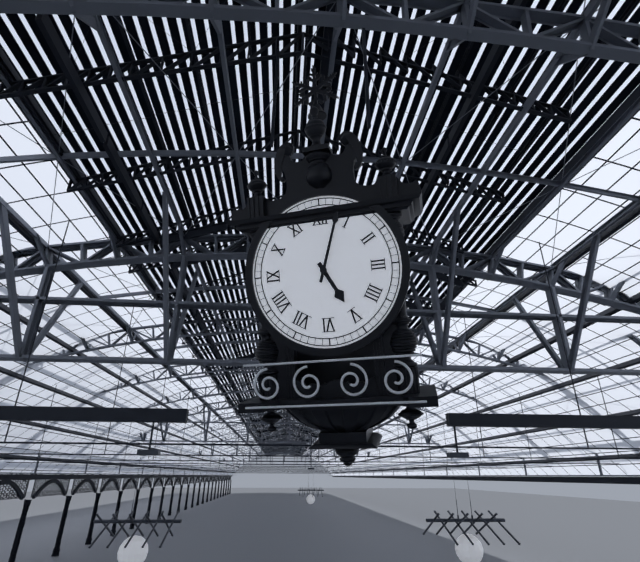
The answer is 5:03
